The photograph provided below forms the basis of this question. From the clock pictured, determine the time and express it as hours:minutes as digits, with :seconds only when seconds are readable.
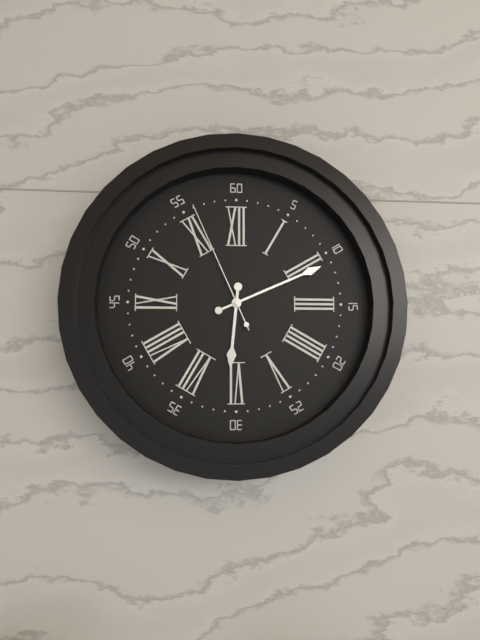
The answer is 6:11:56
